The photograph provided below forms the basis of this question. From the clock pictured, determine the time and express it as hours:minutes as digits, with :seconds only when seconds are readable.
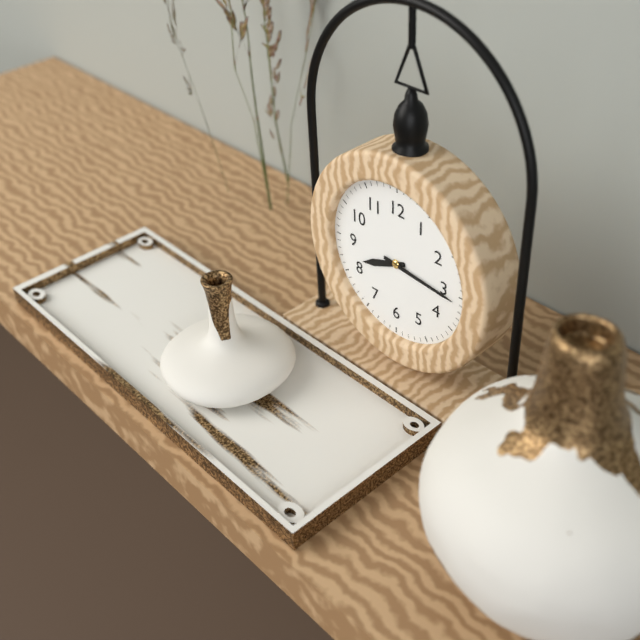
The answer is 8:16
